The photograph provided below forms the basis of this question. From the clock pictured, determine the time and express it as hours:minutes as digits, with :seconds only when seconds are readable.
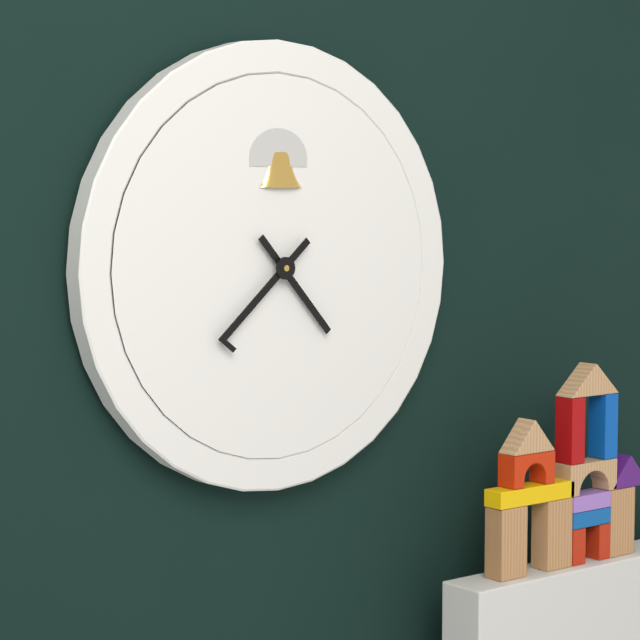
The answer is 4:38
